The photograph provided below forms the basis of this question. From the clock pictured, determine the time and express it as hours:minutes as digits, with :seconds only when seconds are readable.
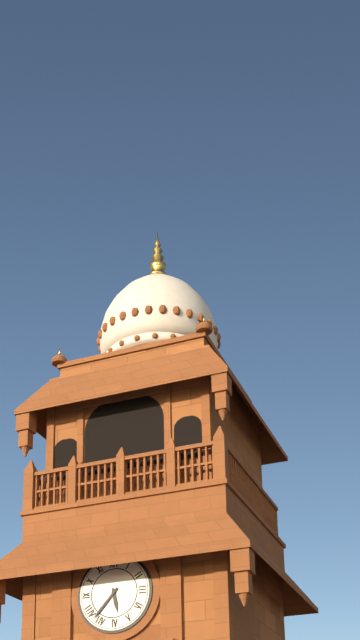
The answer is 5:37
